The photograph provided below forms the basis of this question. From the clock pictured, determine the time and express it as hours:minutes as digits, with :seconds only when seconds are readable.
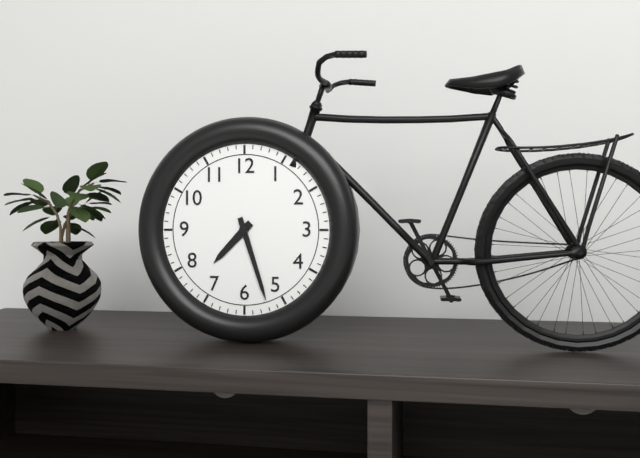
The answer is 7:27
